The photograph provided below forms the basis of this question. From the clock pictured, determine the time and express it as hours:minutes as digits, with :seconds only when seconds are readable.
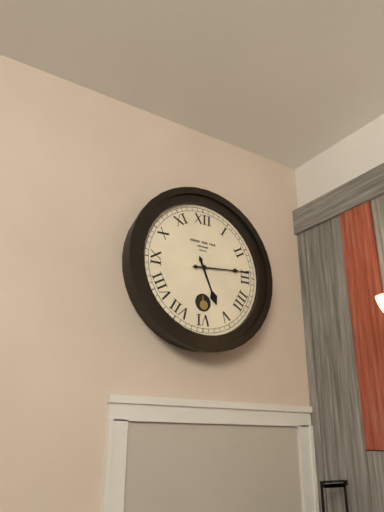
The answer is 5:14
